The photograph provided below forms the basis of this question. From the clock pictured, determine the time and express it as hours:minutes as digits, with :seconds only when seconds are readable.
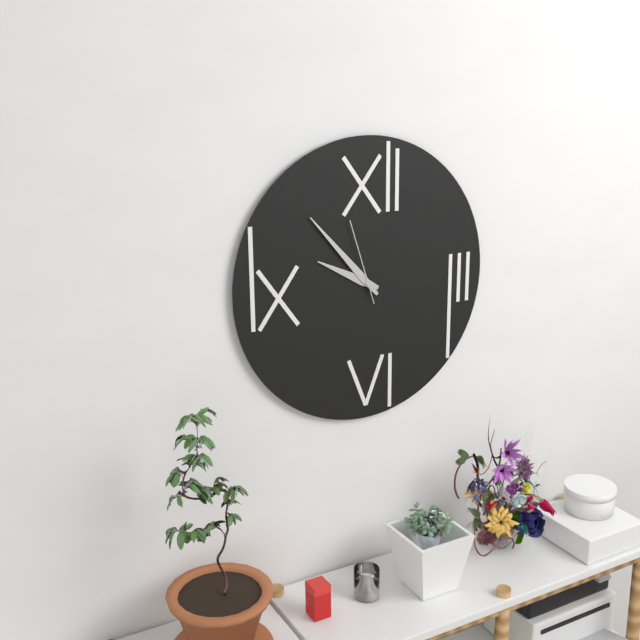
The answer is 9:53:57
